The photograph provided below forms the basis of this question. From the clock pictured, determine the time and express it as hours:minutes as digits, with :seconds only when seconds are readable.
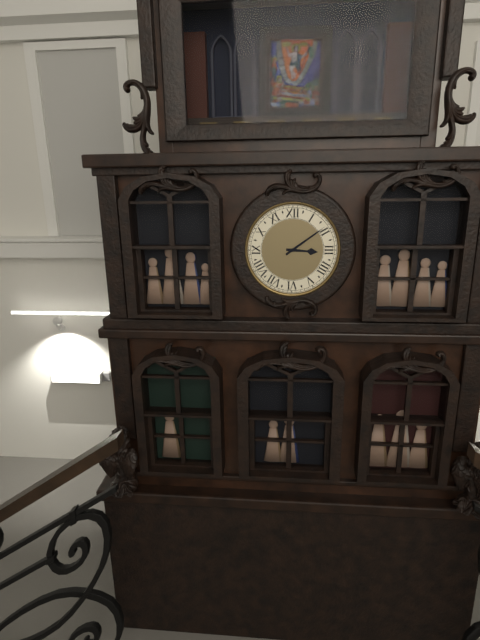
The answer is 3:09
